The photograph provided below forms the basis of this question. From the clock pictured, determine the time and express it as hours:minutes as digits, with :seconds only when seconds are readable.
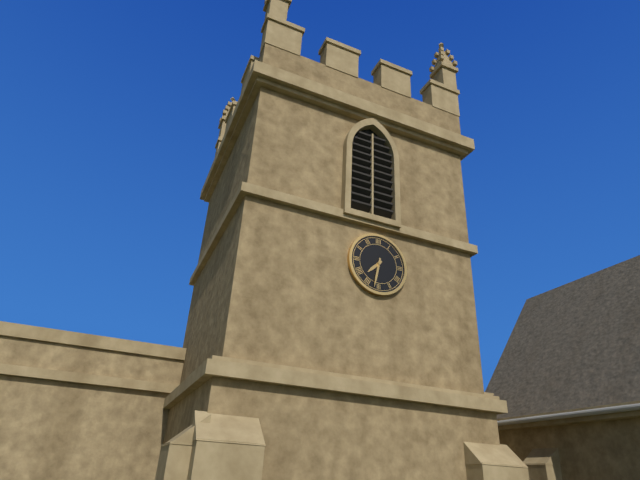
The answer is 7:32
